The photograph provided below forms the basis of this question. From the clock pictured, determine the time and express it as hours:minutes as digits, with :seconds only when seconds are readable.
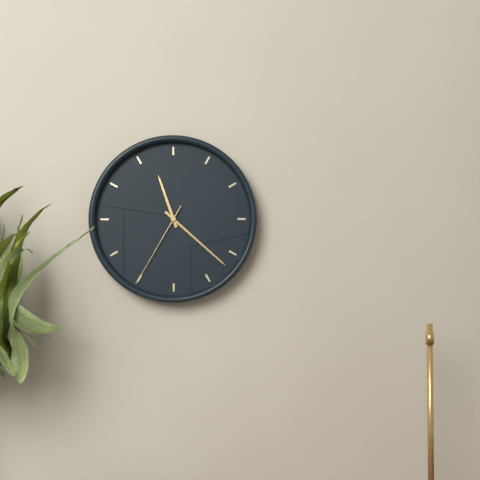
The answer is 11:22:35
